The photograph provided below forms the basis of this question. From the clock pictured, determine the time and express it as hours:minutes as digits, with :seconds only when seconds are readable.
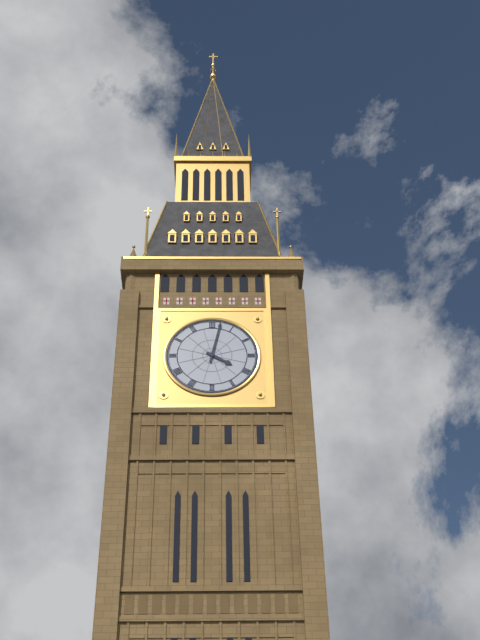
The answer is 4:02
